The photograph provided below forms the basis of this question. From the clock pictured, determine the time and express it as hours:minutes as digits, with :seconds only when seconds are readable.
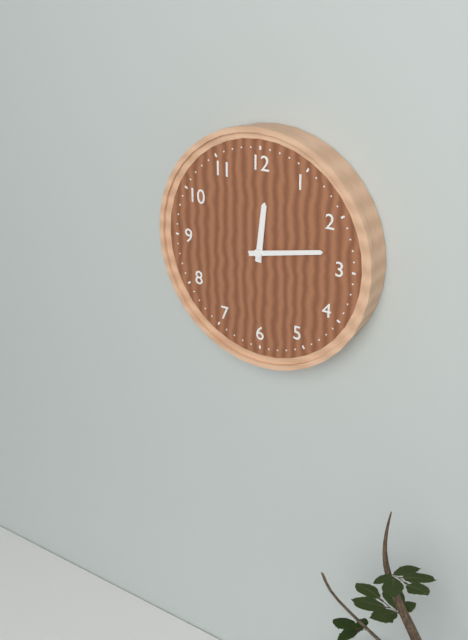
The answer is 12:13
